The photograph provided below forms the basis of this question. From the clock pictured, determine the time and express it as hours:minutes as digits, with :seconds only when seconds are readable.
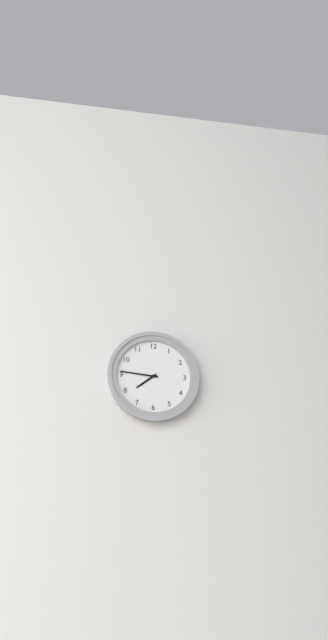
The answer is 7:46
